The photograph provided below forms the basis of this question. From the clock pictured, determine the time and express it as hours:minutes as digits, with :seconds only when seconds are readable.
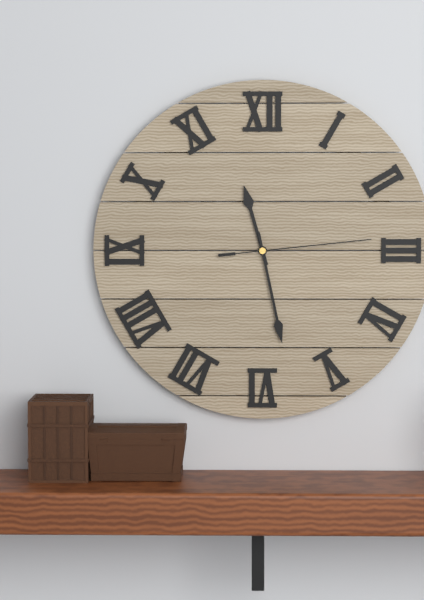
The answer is 11:28:14
